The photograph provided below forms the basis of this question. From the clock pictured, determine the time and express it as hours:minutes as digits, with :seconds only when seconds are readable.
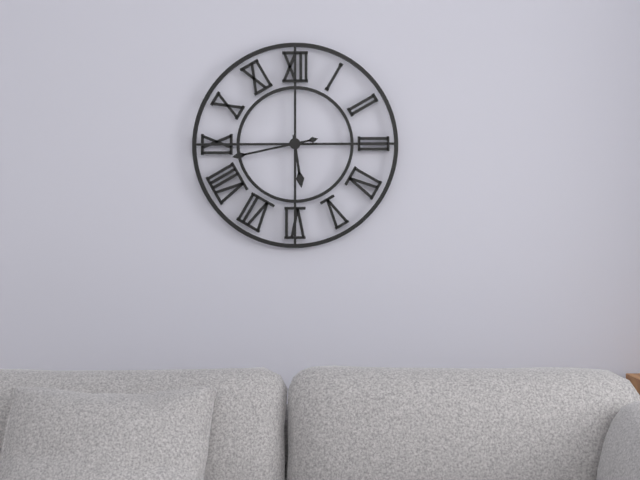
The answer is 5:43
